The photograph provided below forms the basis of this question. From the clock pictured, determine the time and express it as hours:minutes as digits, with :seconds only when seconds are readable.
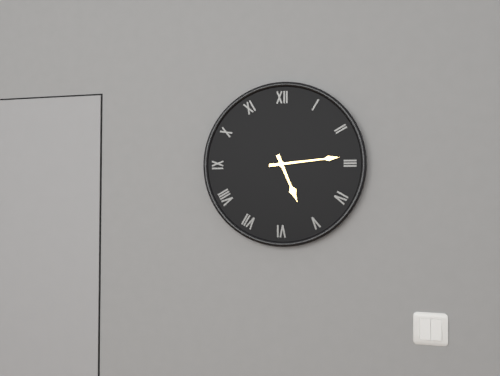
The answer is 5:14
